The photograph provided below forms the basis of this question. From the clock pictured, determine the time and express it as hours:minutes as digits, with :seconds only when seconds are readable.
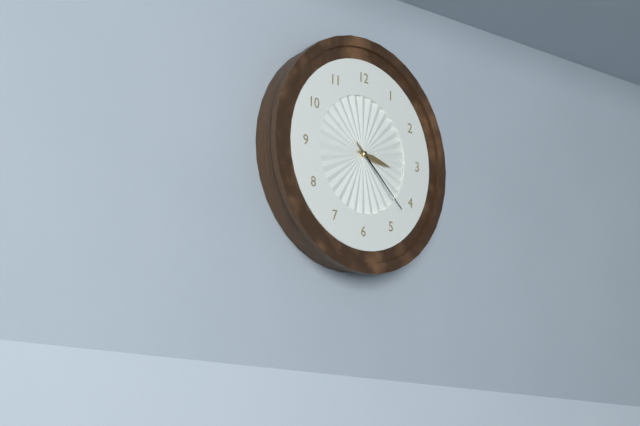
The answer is 3:22
